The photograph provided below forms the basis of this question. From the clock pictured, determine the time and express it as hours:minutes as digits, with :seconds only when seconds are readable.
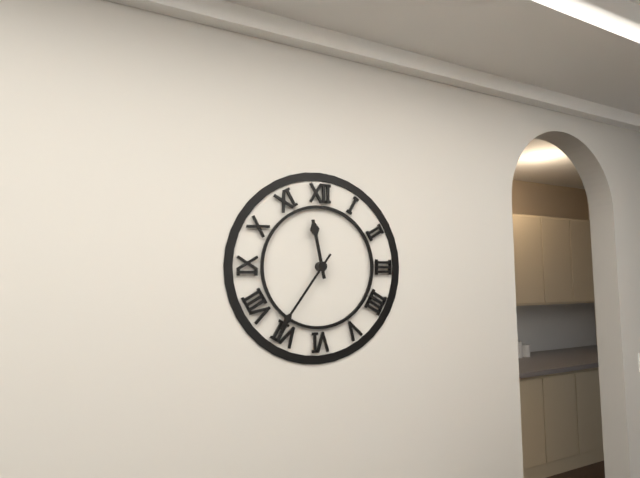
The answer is 11:36
